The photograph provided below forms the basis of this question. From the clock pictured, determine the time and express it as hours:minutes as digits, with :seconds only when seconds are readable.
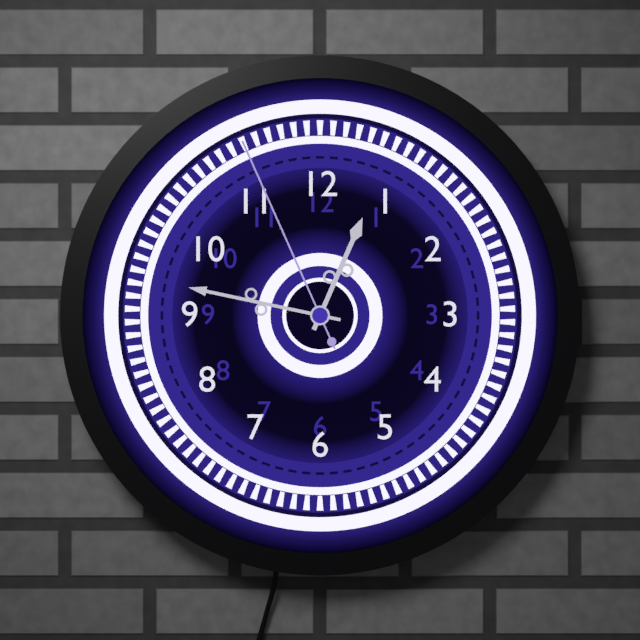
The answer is 12:47:56
